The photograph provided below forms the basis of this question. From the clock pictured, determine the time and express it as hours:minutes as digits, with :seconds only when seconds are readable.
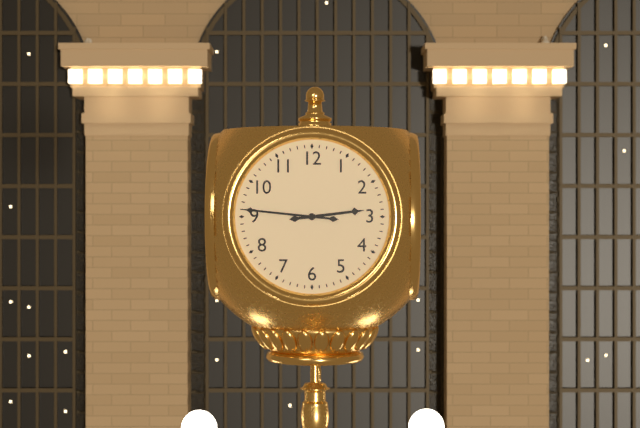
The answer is 2:46
